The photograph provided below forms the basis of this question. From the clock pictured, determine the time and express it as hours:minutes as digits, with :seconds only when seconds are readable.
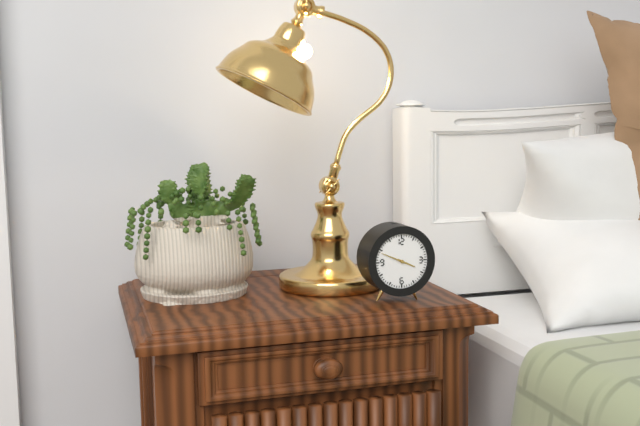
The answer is 3:49
